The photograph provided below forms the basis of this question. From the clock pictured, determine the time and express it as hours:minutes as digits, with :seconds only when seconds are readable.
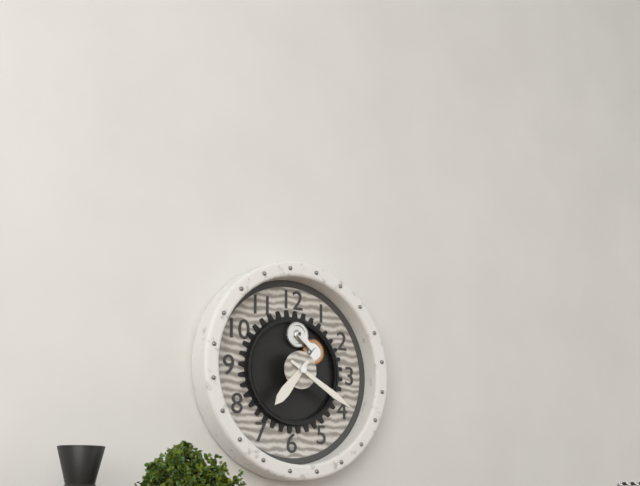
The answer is 7:20
